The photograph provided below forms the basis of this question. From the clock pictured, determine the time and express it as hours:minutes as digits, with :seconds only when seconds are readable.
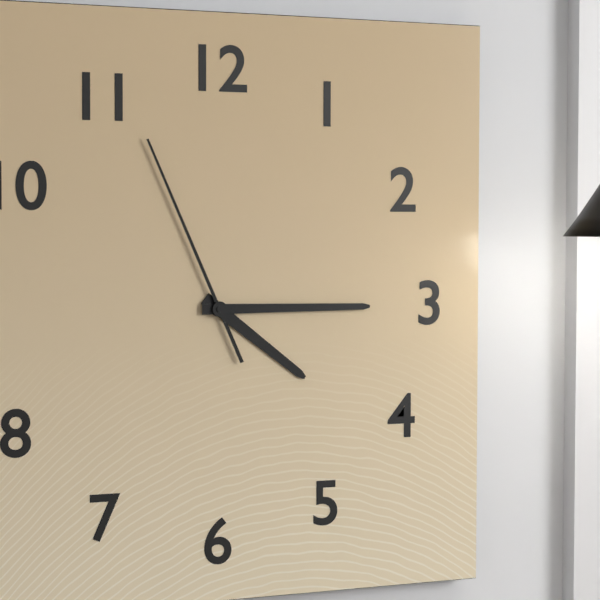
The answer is 4:15:56
